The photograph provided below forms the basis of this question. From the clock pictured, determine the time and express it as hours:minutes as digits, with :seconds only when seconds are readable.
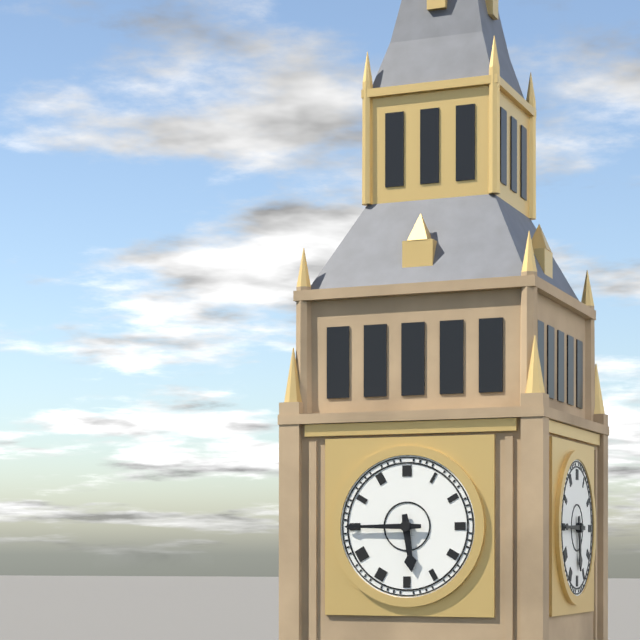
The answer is 5:45
